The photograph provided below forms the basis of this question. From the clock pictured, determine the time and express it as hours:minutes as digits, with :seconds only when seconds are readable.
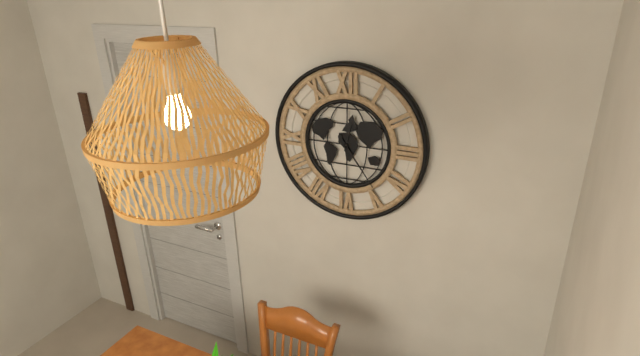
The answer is 12:24
